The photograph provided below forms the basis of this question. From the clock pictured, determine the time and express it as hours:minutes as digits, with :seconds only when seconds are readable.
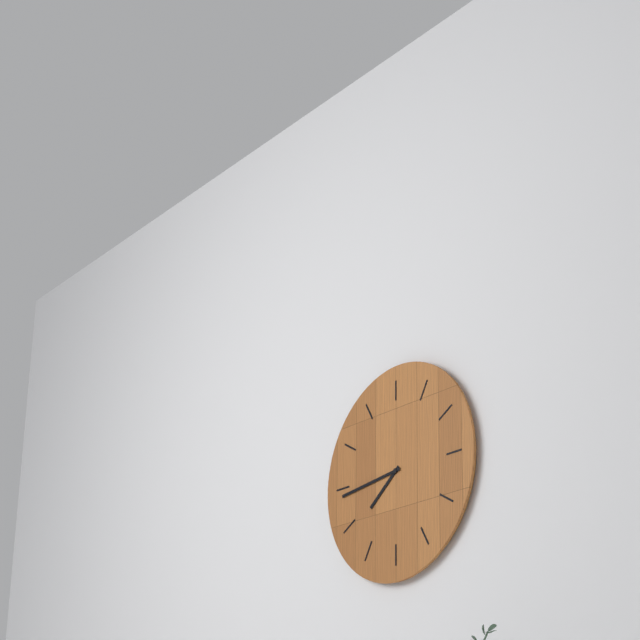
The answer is 7:44
